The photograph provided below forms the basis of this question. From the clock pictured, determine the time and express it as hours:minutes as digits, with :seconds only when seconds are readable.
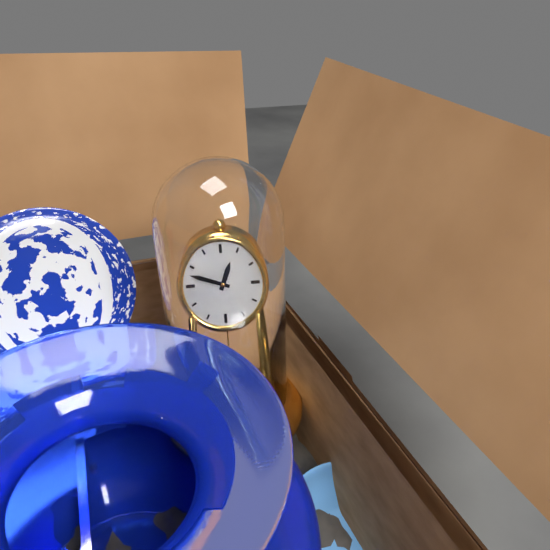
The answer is 12:48
